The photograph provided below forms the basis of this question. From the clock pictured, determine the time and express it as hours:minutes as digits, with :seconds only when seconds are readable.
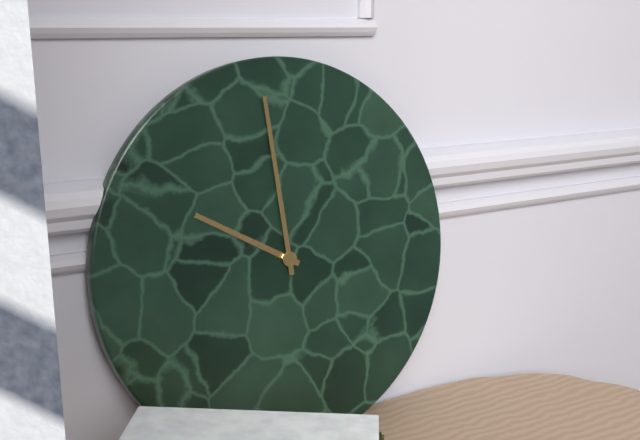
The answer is 9:59
